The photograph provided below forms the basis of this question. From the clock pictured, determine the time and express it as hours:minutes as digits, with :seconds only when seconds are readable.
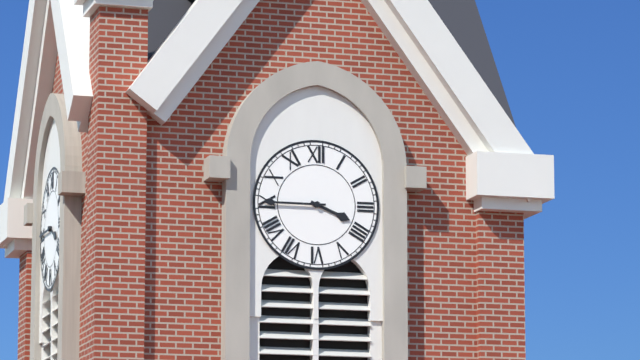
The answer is 3:45
